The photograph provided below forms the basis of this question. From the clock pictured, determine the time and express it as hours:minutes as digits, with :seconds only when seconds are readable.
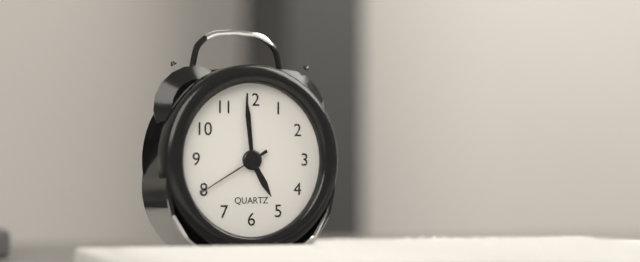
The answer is 4:59:40
